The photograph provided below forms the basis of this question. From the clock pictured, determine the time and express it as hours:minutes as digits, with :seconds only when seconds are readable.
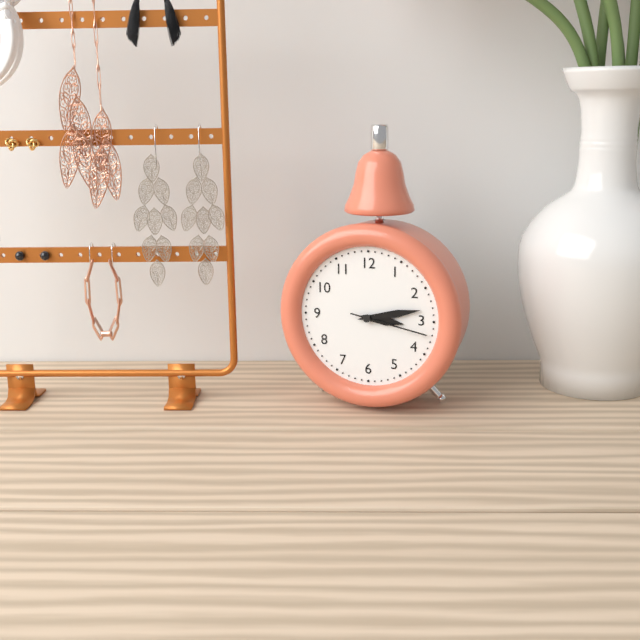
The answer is 3:13:17
